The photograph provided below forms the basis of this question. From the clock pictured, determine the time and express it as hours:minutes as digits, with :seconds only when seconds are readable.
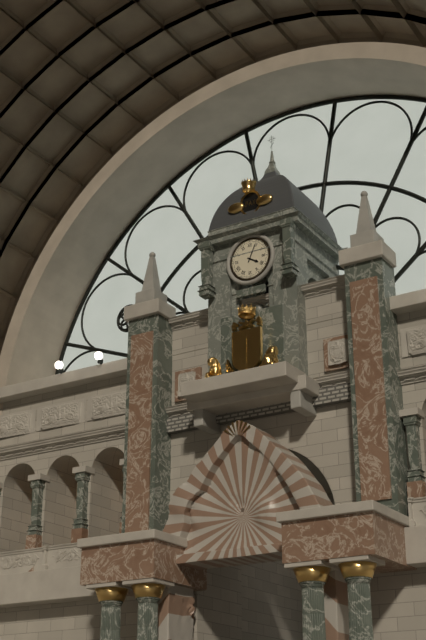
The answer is 4:04
